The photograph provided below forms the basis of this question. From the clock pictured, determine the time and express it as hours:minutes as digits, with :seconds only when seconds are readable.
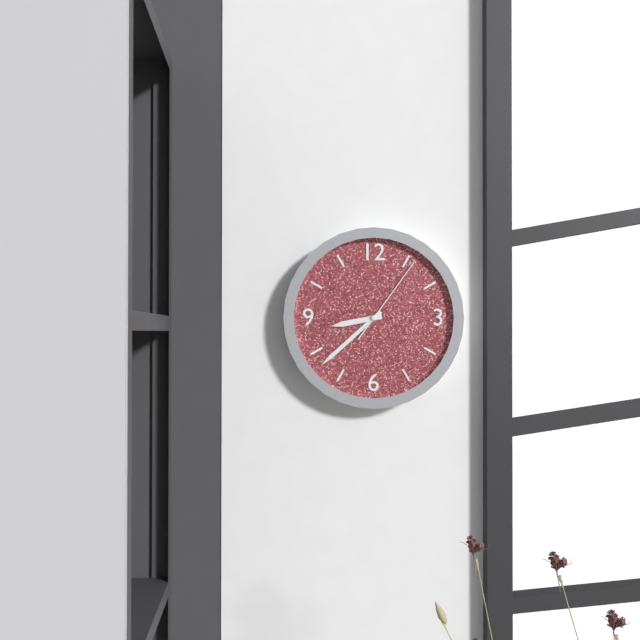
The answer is 8:38:06
